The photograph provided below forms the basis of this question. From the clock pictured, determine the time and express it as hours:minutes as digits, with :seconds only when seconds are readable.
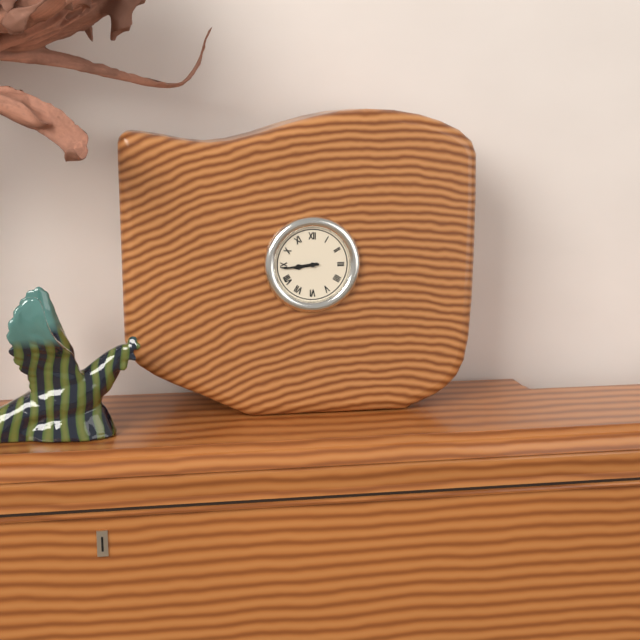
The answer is 8:44
